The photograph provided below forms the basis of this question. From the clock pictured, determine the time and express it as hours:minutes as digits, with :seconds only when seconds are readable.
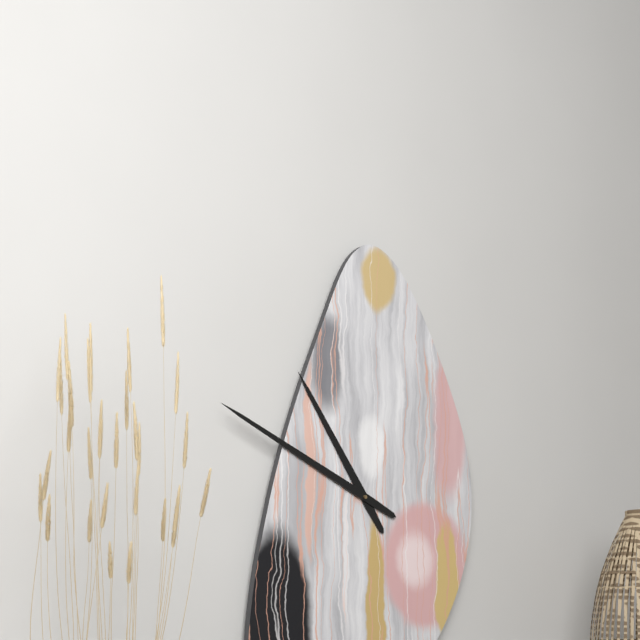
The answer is 10:49
